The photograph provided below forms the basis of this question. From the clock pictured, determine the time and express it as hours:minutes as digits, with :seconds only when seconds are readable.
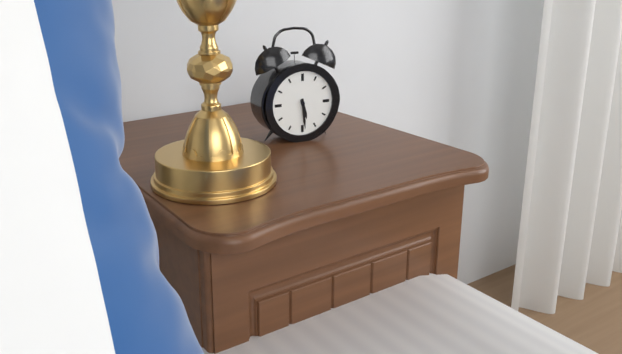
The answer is 5:29
